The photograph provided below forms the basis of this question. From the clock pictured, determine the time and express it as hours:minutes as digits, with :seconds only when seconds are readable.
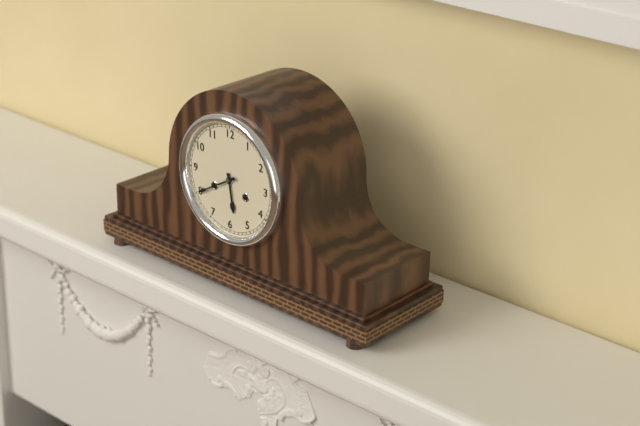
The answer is 5:40
